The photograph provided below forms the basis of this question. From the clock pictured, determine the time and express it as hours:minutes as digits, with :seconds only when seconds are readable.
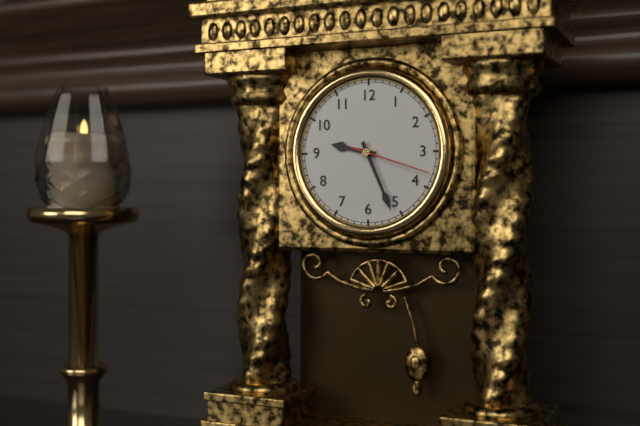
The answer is 9:26:18
